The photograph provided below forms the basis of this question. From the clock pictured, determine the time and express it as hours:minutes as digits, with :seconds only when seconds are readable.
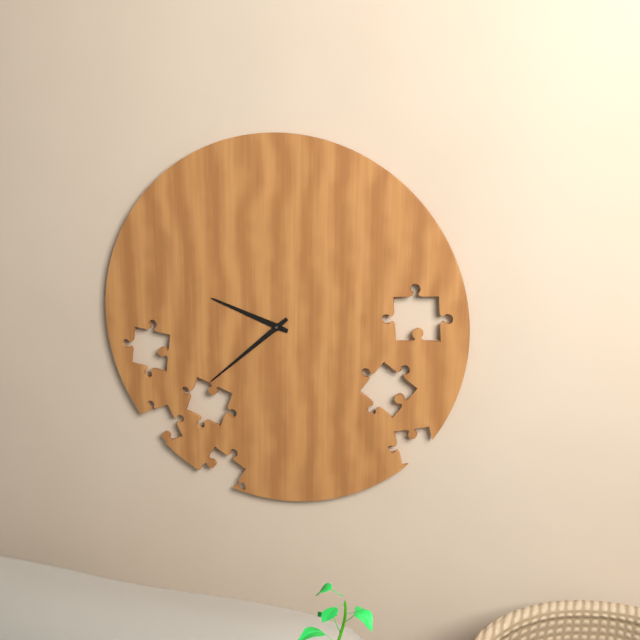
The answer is 9:38
